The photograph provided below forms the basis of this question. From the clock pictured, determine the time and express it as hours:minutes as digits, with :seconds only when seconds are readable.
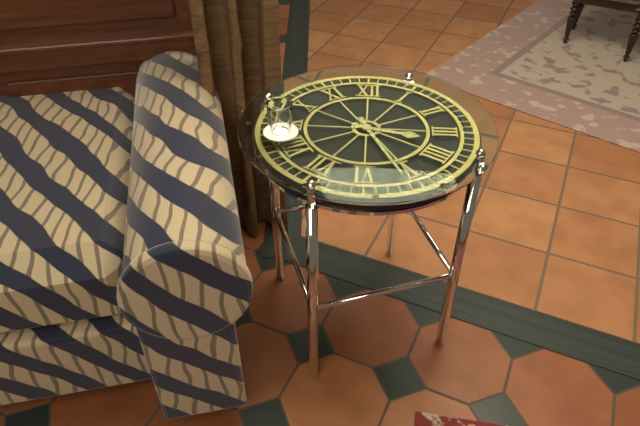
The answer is 3:26
